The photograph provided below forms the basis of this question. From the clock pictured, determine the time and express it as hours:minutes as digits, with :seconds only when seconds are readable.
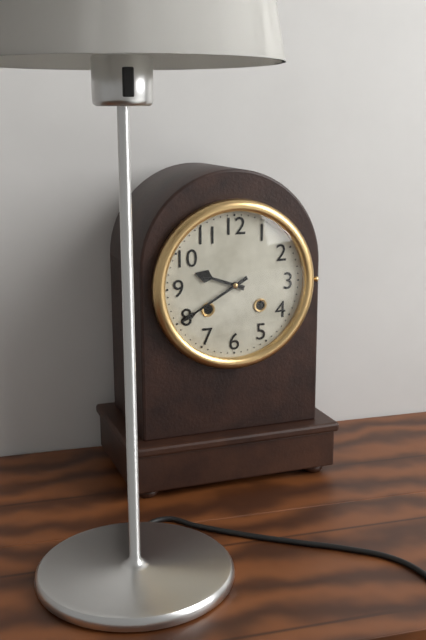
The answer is 9:40
